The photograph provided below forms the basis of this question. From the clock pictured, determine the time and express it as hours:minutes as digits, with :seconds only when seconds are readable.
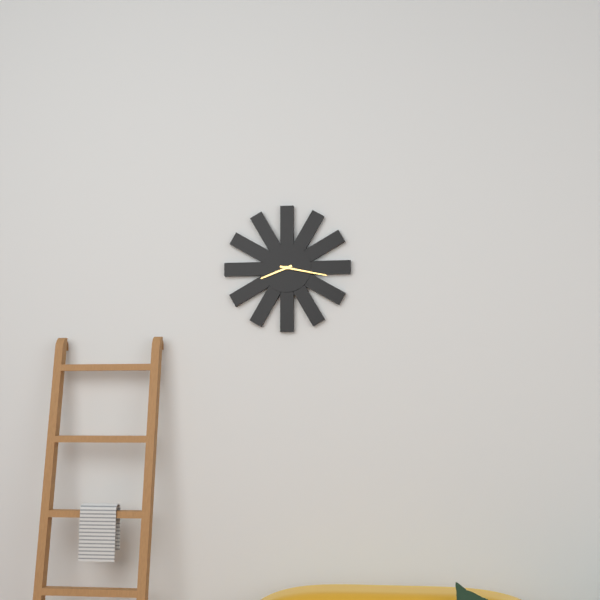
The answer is 8:17
